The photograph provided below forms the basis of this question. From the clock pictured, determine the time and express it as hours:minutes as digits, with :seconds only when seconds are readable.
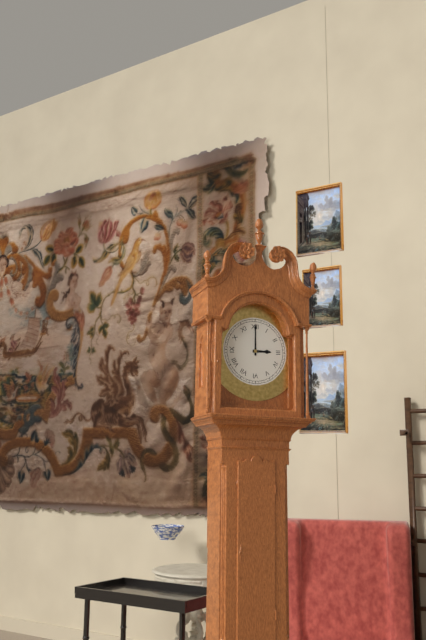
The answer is 3:00
